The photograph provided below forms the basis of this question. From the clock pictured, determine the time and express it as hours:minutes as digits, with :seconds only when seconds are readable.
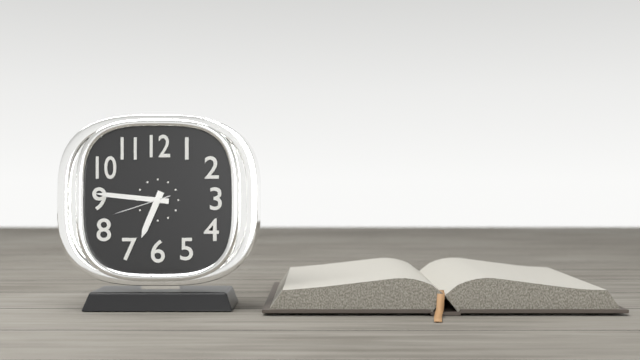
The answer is 6:46:42
